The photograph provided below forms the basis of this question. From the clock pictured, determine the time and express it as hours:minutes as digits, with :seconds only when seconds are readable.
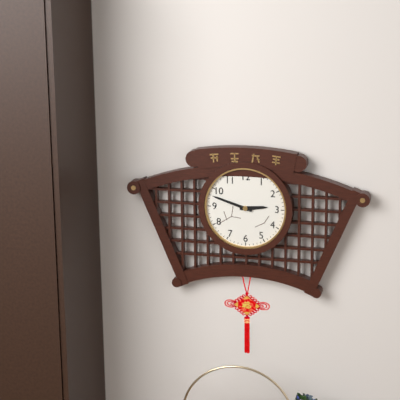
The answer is 2:48
